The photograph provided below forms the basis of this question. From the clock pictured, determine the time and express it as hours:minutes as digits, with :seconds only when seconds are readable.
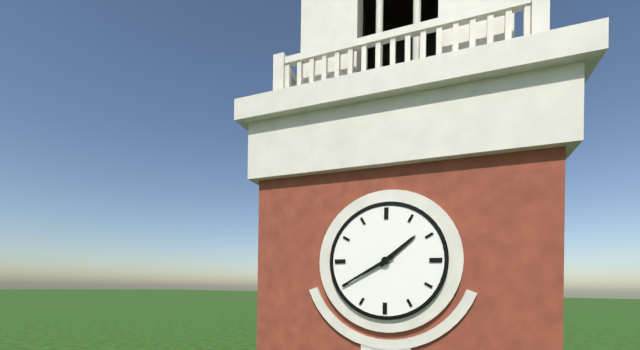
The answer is 1:40
